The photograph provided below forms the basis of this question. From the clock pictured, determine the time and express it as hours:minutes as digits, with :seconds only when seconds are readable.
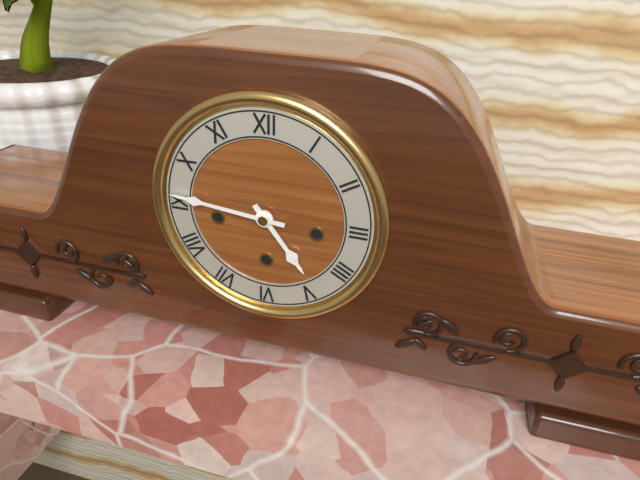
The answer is 4:46
